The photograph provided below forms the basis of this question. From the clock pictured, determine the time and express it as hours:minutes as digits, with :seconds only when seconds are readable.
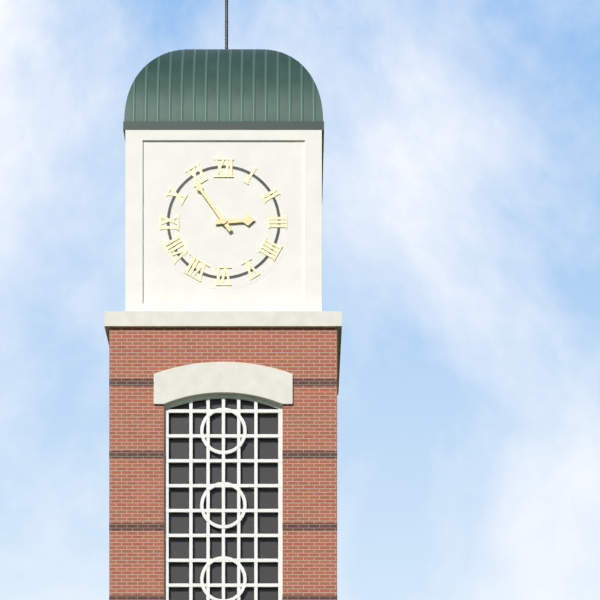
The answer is 2:54
